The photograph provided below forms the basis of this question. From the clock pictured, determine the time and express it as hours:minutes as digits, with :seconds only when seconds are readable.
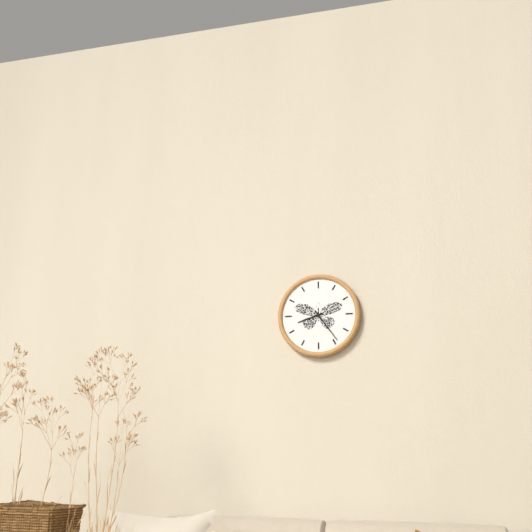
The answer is 8:24
